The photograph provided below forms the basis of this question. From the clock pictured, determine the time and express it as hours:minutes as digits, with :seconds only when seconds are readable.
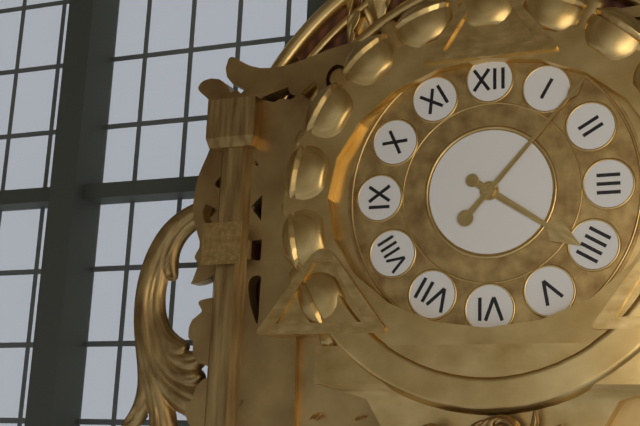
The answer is 4:07
